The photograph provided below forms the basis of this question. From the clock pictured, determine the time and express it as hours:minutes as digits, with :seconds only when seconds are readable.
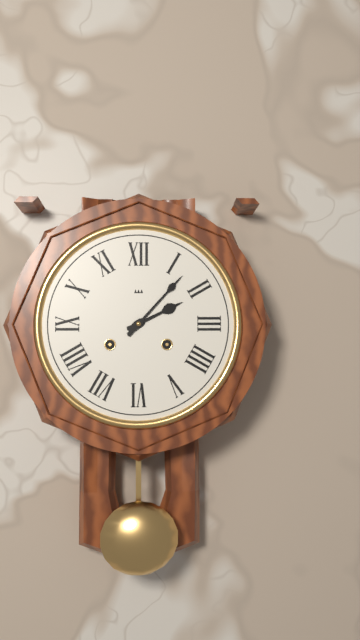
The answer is 2:07
